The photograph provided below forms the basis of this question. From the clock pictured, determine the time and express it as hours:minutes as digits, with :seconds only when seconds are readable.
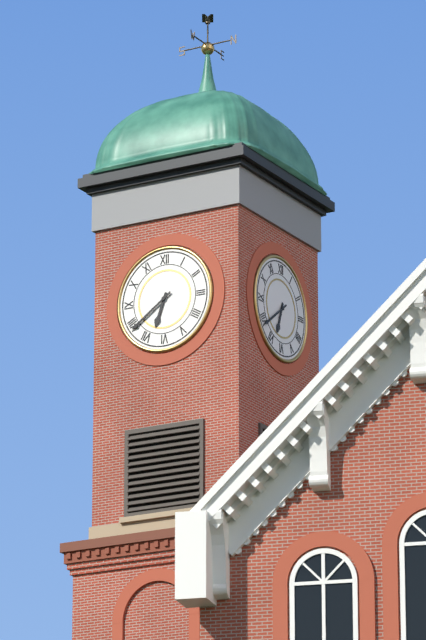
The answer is 6:39
